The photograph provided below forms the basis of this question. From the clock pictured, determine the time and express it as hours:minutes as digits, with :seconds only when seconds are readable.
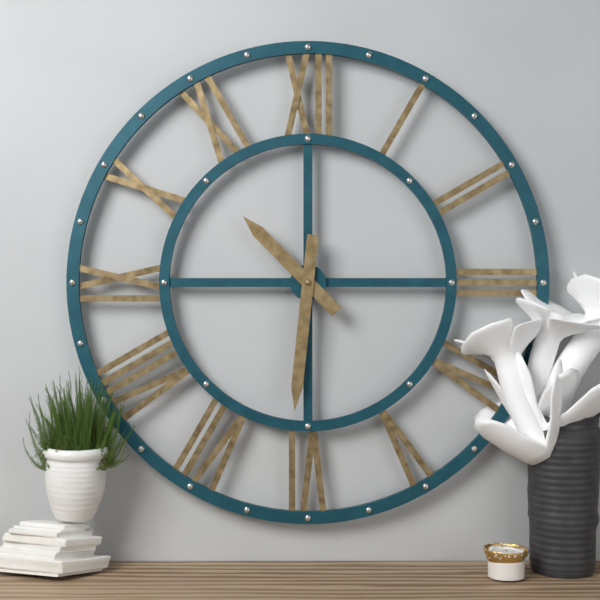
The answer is 10:31
